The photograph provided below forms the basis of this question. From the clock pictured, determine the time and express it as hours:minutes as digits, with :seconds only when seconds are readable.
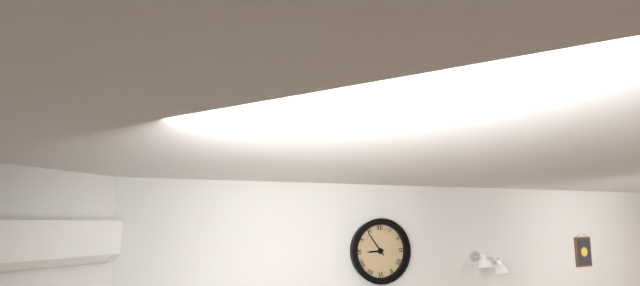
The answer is 8:54
